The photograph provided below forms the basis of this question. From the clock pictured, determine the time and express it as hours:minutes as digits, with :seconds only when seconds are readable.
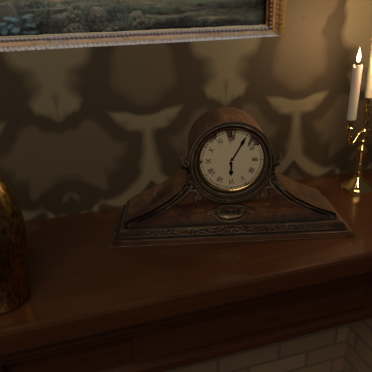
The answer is 6:05
